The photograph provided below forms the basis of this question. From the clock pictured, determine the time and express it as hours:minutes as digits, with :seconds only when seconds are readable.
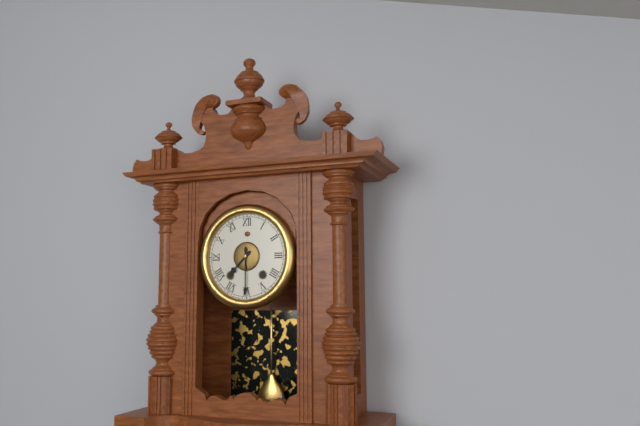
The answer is 7:30
